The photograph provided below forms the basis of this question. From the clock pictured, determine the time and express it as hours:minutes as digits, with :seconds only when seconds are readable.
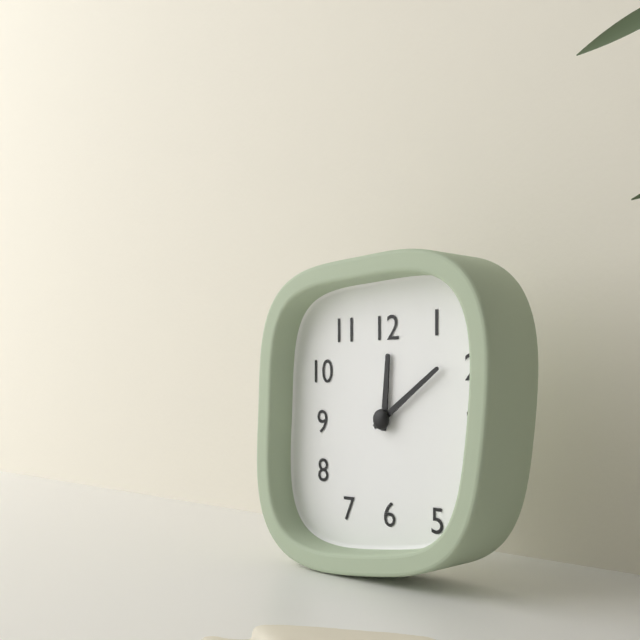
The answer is 12:09
